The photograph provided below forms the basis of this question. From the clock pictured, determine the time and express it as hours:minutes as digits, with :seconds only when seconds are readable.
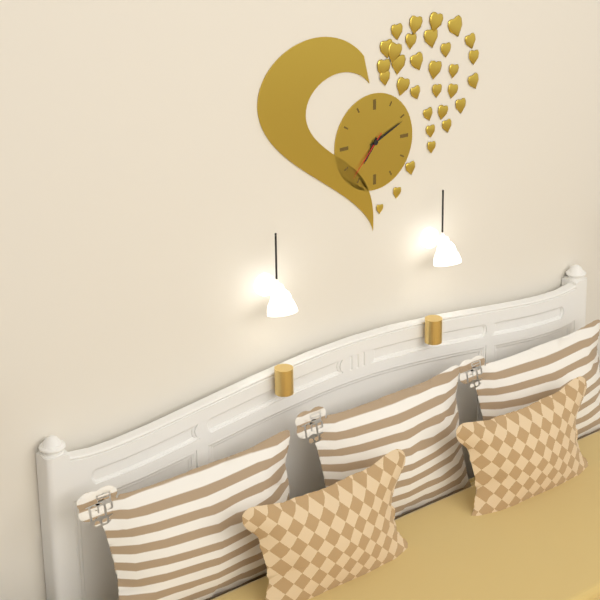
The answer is 7:11:37
